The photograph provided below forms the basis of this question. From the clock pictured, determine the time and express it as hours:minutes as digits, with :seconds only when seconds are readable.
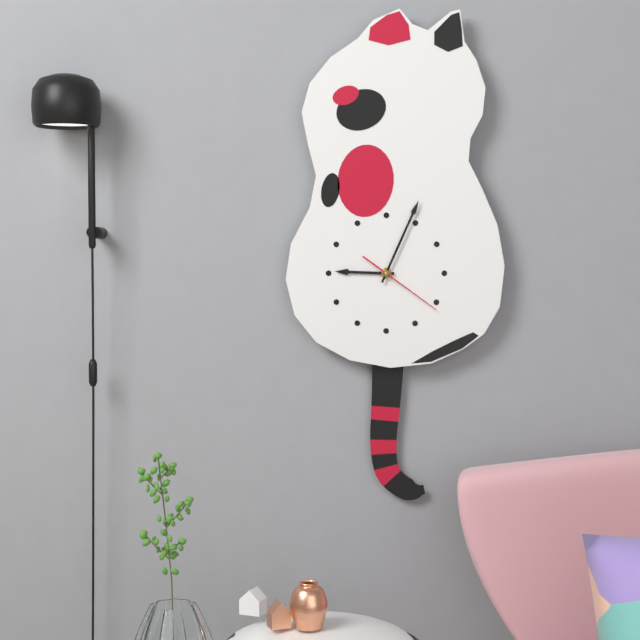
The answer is 9:04:21
